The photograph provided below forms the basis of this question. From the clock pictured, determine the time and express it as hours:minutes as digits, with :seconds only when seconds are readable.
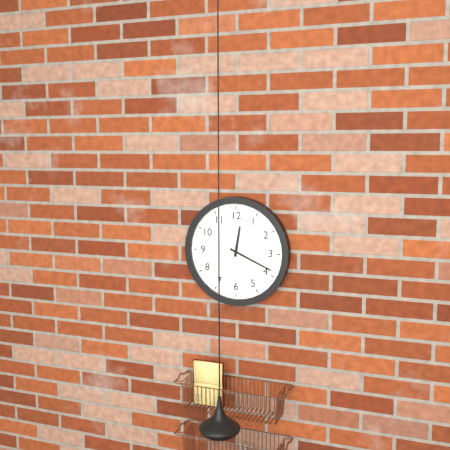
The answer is 12:19
